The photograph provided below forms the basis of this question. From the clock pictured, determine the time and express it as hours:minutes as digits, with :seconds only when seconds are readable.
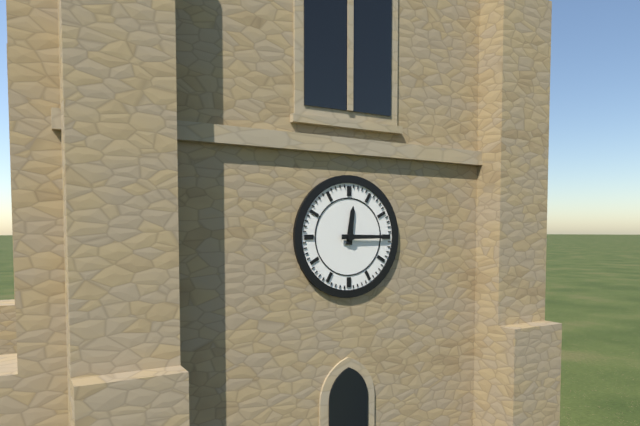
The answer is 12:15
